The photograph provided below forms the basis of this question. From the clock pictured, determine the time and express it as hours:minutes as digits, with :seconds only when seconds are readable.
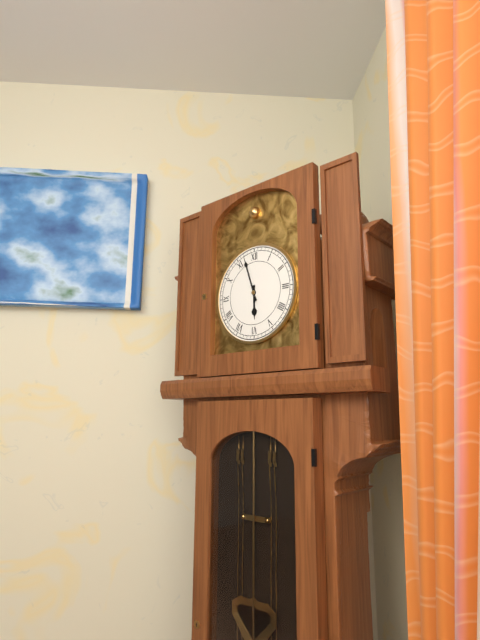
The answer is 5:57
